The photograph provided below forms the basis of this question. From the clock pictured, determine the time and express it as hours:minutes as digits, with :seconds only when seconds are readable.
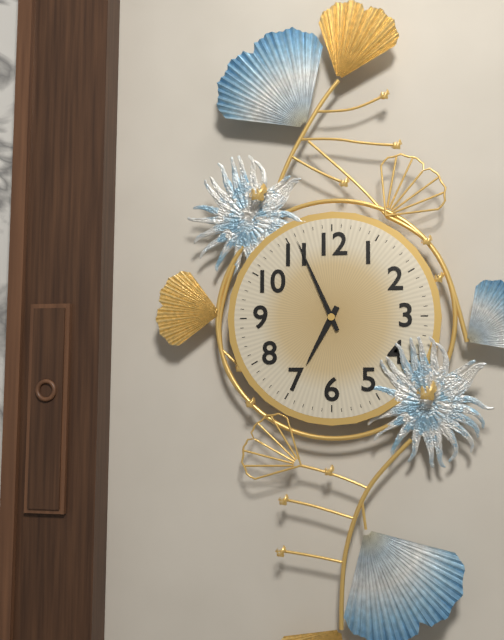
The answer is 6:56
